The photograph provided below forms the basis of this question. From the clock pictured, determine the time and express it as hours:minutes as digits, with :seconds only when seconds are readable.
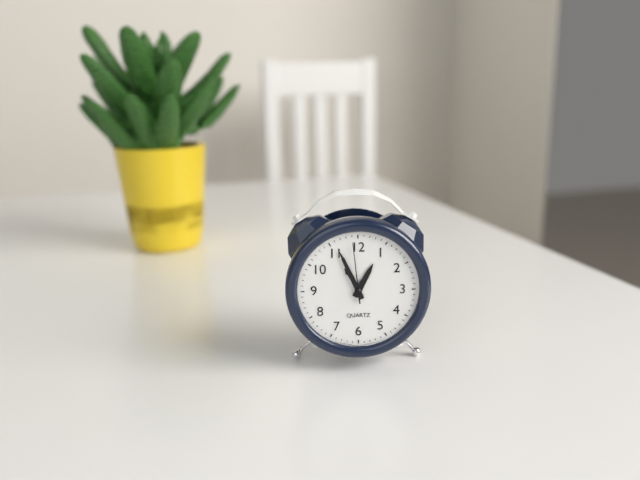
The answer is 12:56:59
